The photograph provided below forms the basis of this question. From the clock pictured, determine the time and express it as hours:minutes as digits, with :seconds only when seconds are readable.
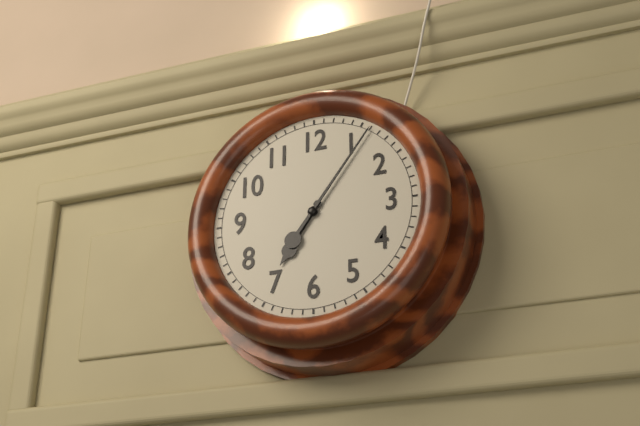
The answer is 7:06
